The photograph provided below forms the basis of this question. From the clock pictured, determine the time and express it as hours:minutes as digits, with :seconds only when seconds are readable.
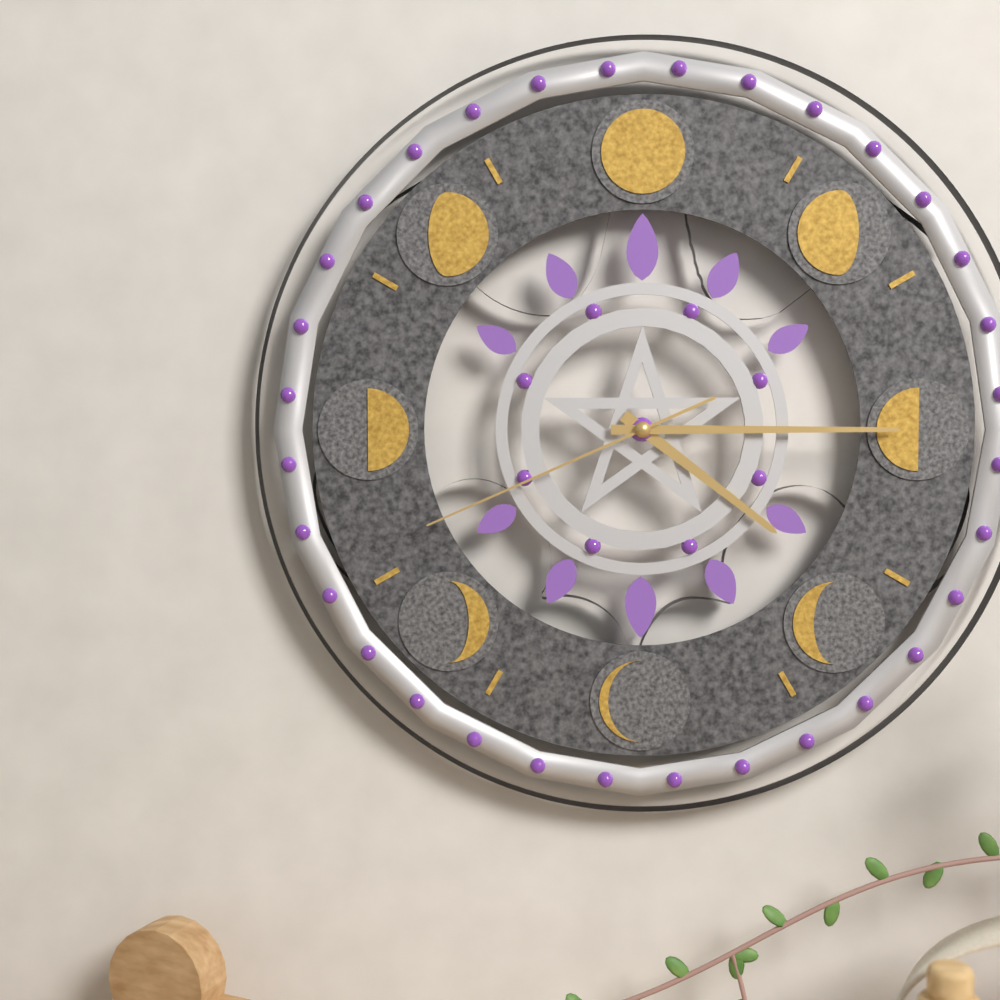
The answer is 4:15:41
